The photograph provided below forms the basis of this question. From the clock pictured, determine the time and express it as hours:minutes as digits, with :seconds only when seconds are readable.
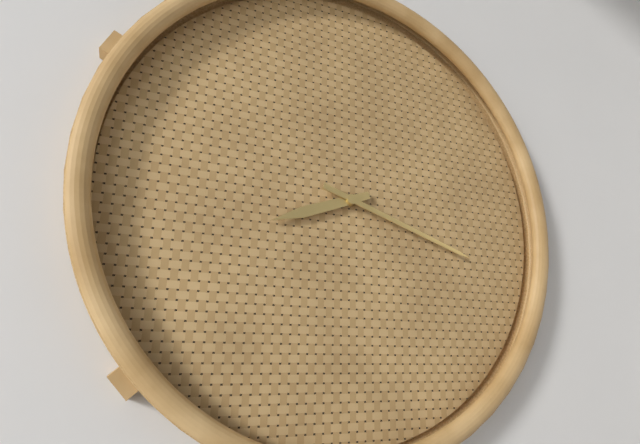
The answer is 8:18
